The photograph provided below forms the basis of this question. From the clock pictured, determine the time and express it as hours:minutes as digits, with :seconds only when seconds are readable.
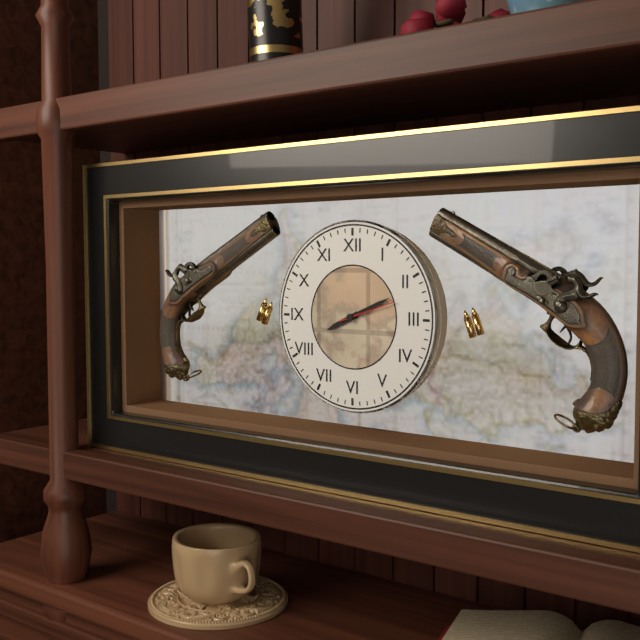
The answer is 8:11:12
